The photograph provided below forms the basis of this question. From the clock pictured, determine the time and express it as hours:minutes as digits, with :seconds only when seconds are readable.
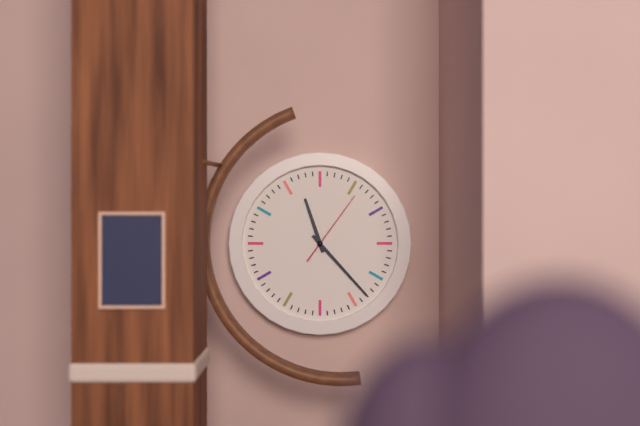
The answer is 11:23:06
